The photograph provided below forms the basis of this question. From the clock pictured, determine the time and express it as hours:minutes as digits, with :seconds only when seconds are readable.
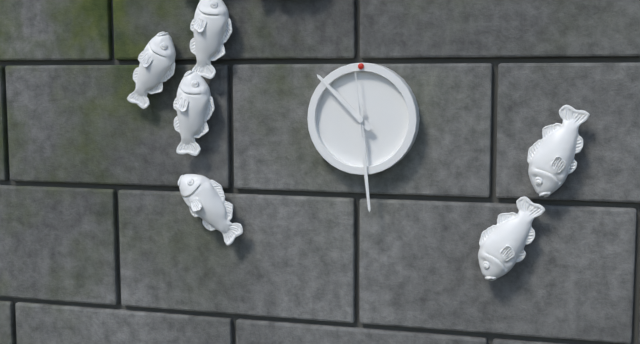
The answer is 10:29:59
